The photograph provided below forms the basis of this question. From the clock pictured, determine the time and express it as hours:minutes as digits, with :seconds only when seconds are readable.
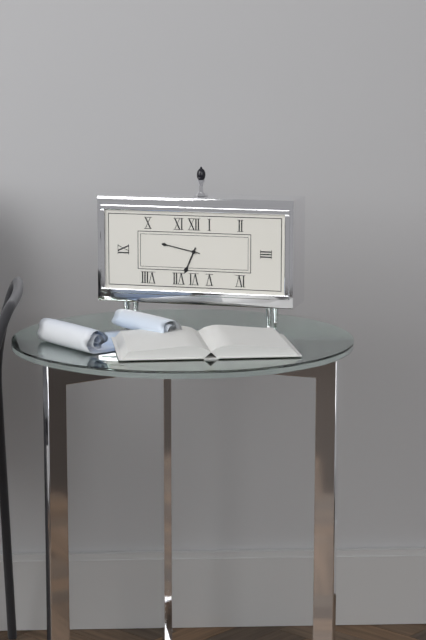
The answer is 6:47
